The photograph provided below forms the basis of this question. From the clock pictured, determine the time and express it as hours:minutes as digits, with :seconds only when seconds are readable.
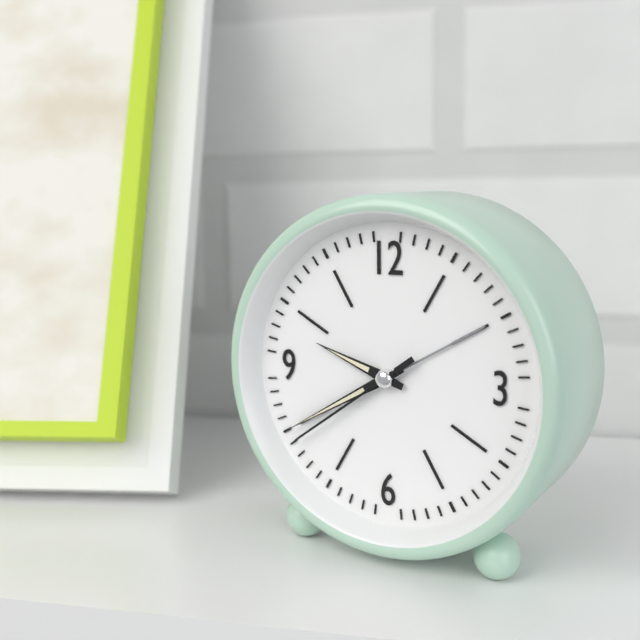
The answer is 9:40:39
